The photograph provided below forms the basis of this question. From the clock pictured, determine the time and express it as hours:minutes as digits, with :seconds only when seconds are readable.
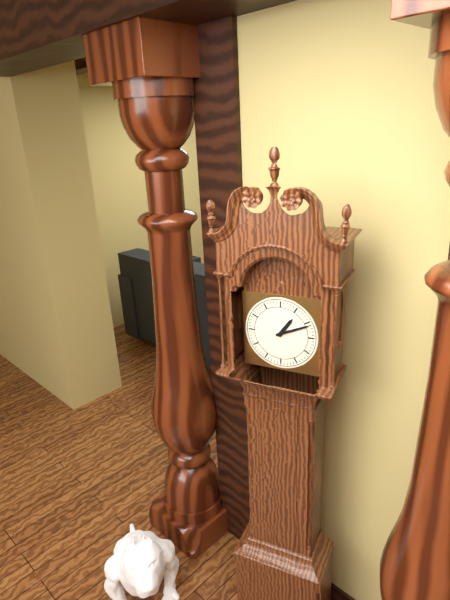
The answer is 1:11
